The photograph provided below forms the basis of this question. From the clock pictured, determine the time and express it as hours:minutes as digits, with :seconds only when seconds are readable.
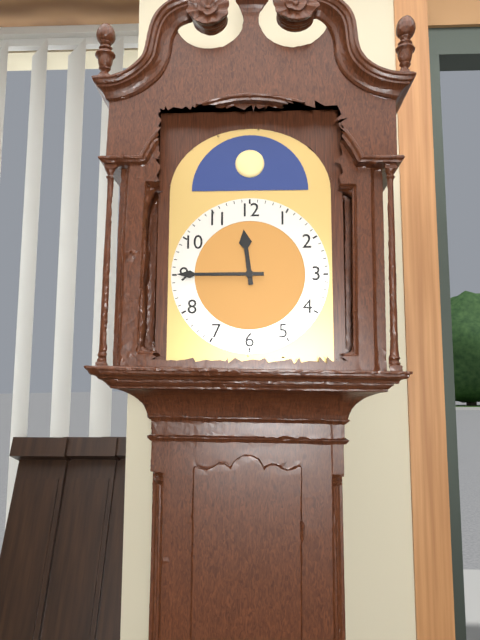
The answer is 11:45
